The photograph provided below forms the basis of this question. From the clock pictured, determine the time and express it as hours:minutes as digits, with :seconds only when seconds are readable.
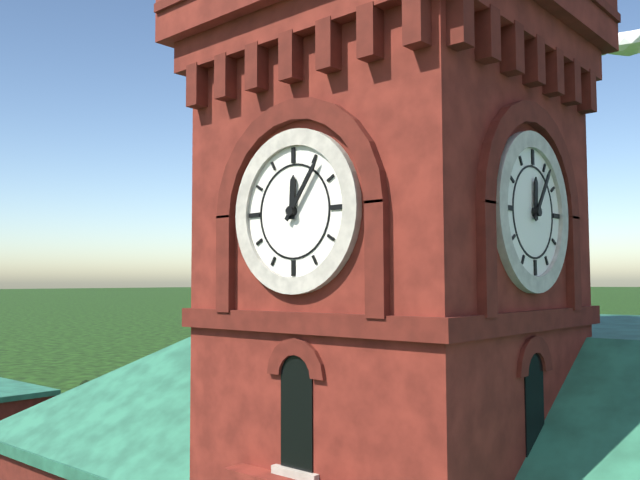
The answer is 12:06
